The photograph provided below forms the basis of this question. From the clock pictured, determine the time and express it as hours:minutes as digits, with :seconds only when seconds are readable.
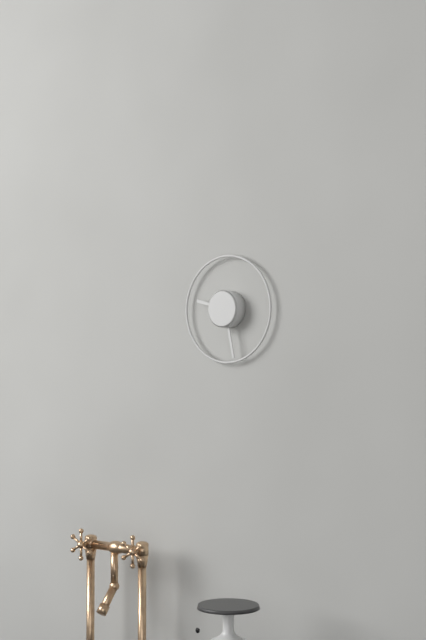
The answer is 9:28
